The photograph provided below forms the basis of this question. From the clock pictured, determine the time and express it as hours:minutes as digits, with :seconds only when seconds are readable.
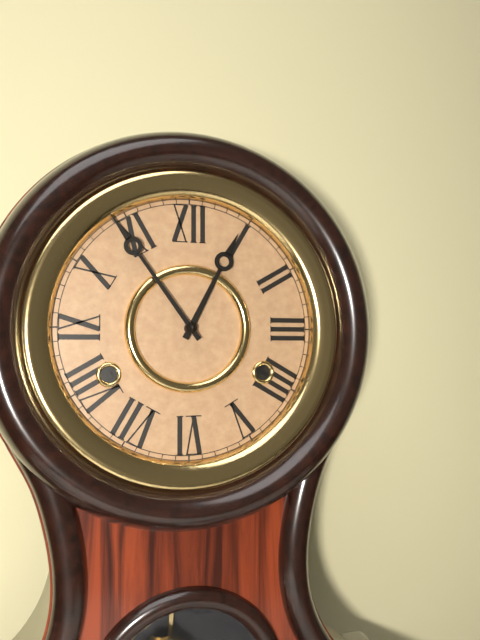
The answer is 12:54
